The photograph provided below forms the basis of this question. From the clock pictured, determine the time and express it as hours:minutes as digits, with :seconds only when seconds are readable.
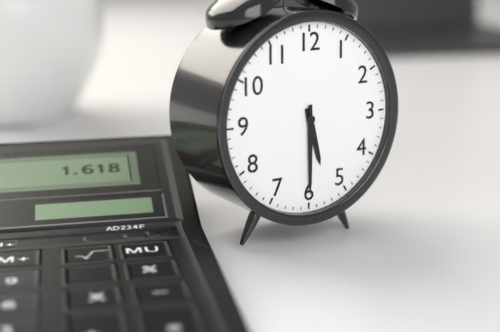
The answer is 5:30
